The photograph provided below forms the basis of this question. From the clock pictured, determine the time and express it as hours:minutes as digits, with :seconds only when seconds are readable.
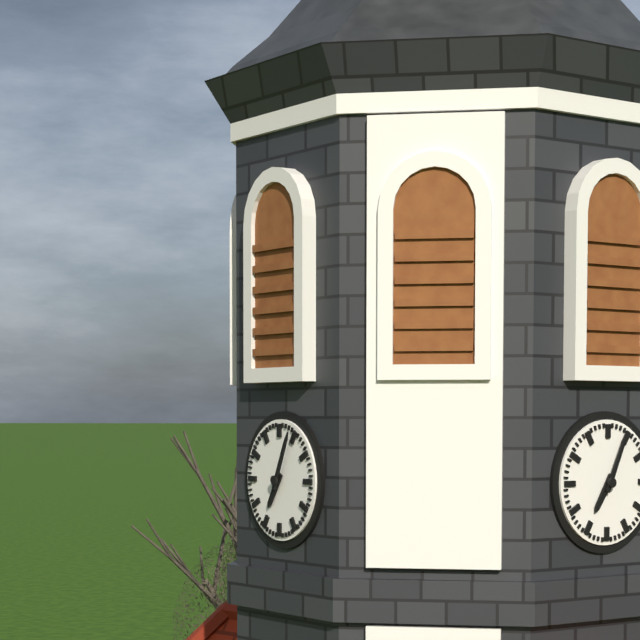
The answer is 7:04
